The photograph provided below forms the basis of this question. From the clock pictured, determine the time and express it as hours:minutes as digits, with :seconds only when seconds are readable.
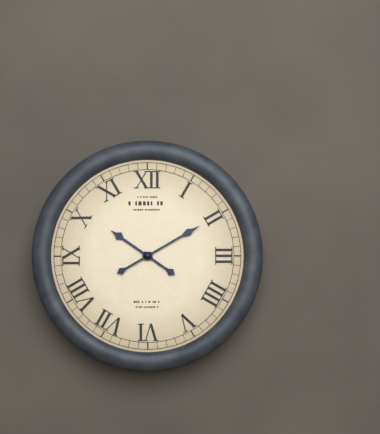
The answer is 10:10
